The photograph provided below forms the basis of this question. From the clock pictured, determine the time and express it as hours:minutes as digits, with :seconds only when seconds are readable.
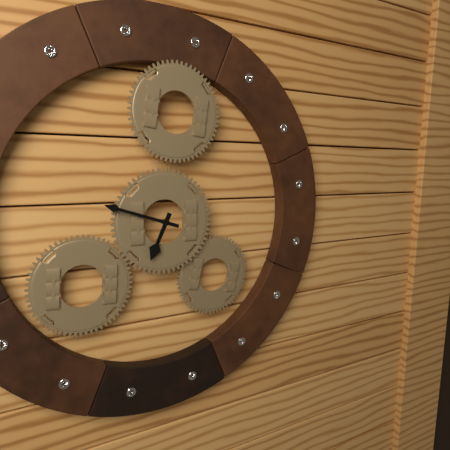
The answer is 6:48
